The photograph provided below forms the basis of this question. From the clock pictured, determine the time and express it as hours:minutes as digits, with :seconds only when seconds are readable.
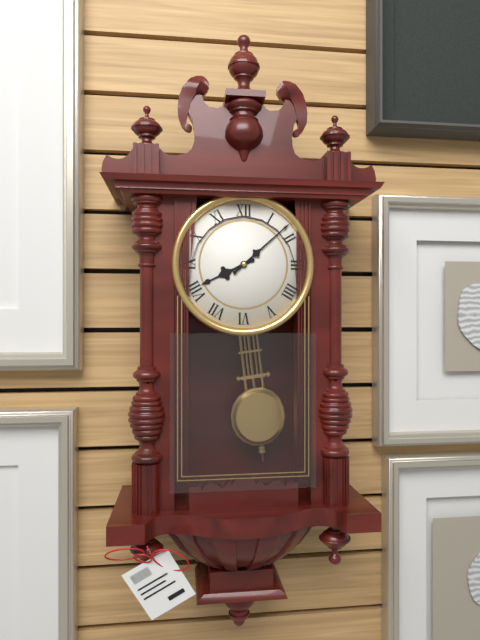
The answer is 8:08
